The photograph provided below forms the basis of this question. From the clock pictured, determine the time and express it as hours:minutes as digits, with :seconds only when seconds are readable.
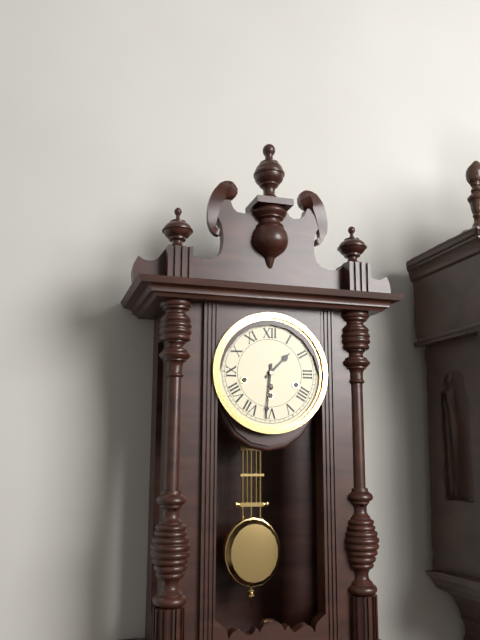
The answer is 1:31
